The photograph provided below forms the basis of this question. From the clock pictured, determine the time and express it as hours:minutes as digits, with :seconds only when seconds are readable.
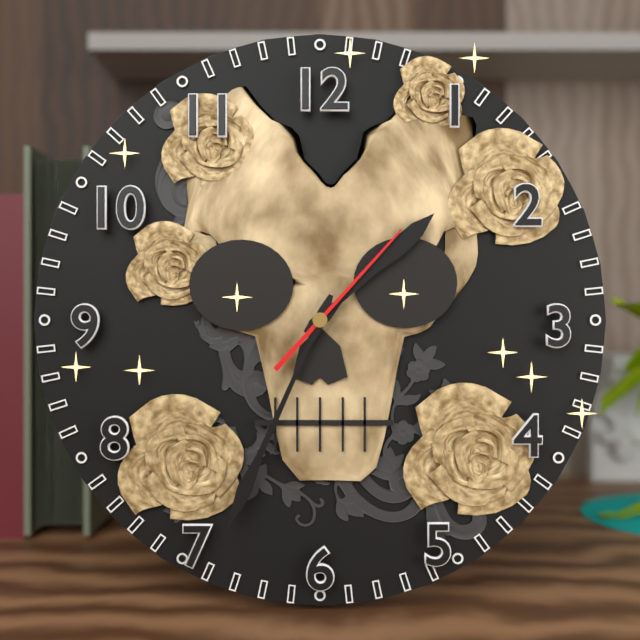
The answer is 1:34:07
